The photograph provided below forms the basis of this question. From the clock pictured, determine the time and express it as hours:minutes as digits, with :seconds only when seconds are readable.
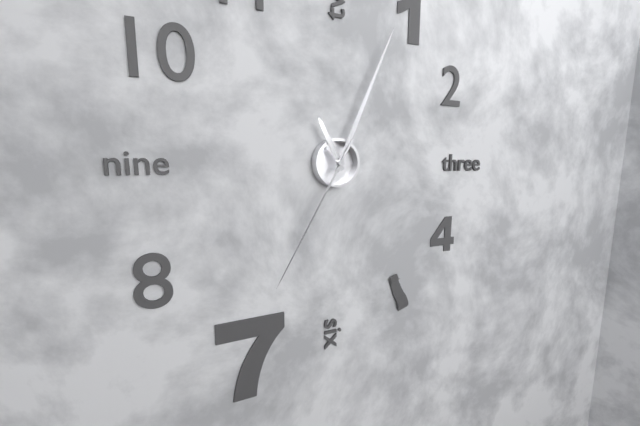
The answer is 11:04:35
